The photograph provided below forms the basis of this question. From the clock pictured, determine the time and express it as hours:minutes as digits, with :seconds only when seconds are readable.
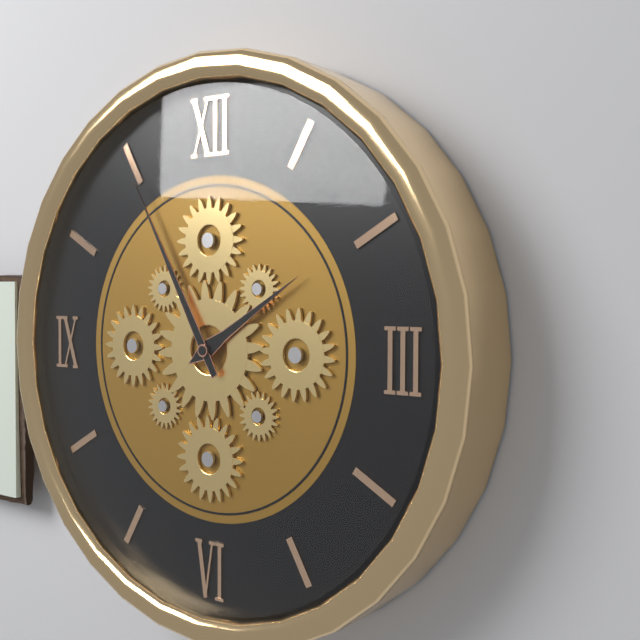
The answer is 1:55
